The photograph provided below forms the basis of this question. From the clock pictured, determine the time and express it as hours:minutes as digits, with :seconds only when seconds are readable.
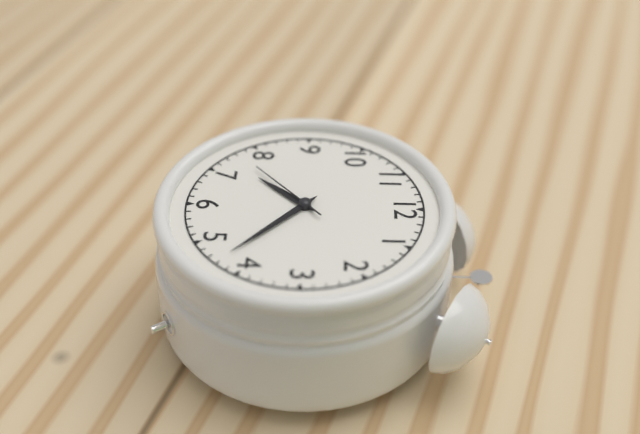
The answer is 7:22:38
